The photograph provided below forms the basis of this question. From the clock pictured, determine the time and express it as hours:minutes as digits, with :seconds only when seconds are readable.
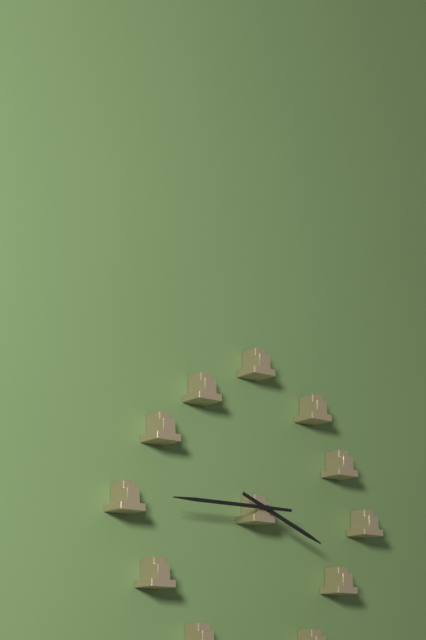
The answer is 3:45
